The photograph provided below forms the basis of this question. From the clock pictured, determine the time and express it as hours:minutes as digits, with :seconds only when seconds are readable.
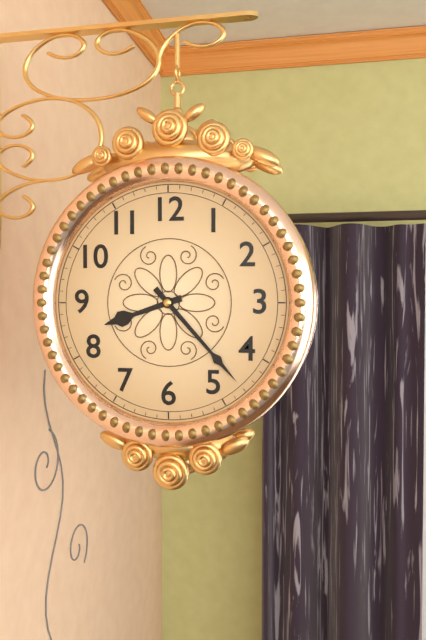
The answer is 8:23
